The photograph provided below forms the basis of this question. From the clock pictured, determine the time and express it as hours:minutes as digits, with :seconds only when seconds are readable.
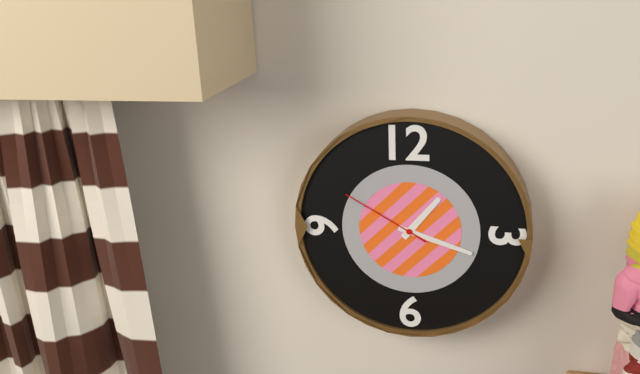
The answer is 1:18:50
